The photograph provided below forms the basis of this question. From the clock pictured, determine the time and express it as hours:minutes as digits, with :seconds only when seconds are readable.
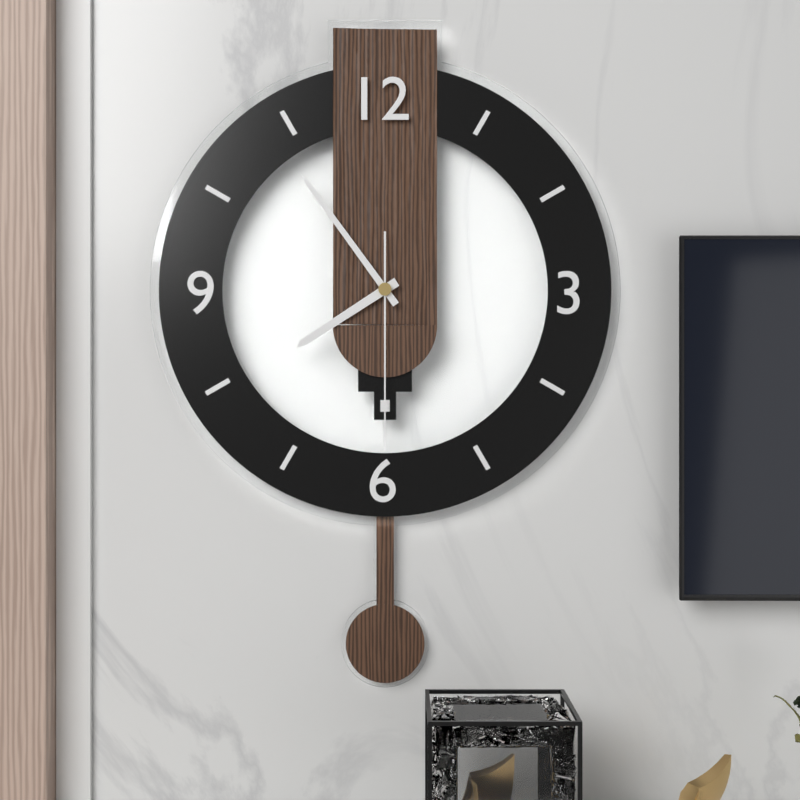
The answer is 7:54:30
